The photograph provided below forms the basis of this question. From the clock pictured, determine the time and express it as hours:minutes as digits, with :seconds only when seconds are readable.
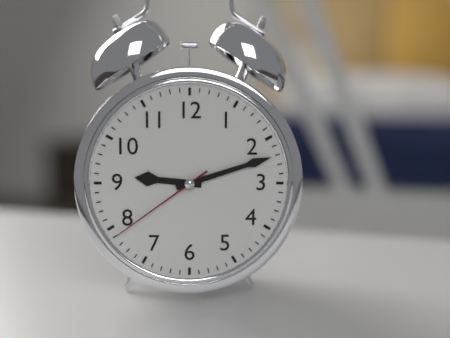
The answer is 9:12:39
